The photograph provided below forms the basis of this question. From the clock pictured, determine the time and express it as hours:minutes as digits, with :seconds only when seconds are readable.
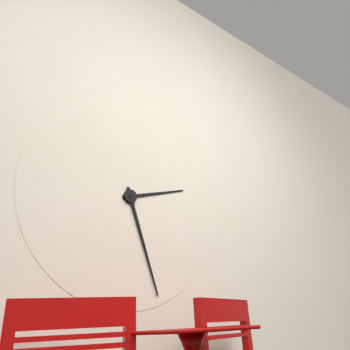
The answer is 2:27
